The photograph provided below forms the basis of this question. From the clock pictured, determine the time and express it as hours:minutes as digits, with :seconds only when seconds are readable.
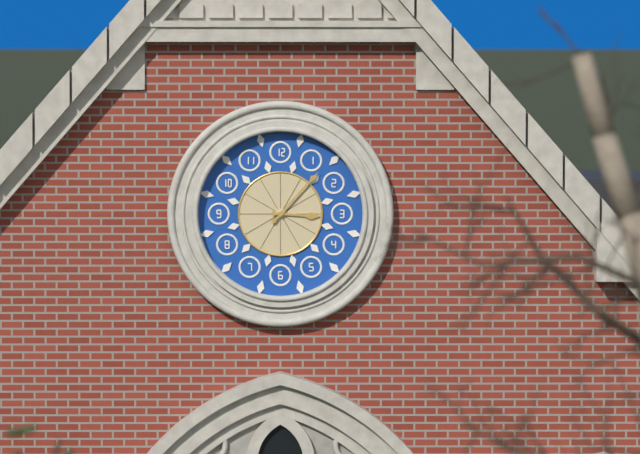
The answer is 3:07
